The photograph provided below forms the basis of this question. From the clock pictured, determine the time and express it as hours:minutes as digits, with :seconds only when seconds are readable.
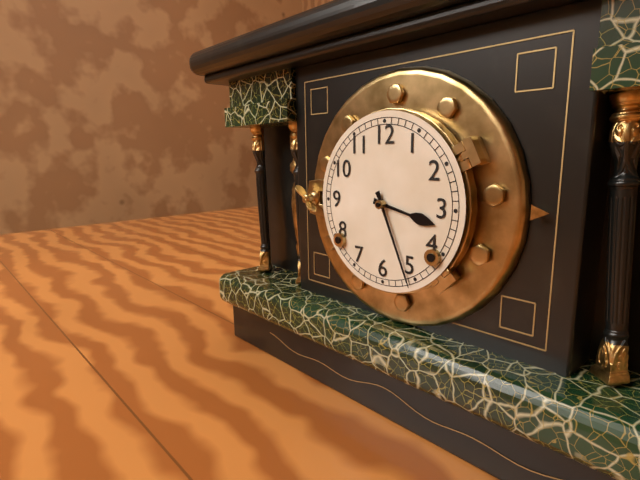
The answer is 3:26
